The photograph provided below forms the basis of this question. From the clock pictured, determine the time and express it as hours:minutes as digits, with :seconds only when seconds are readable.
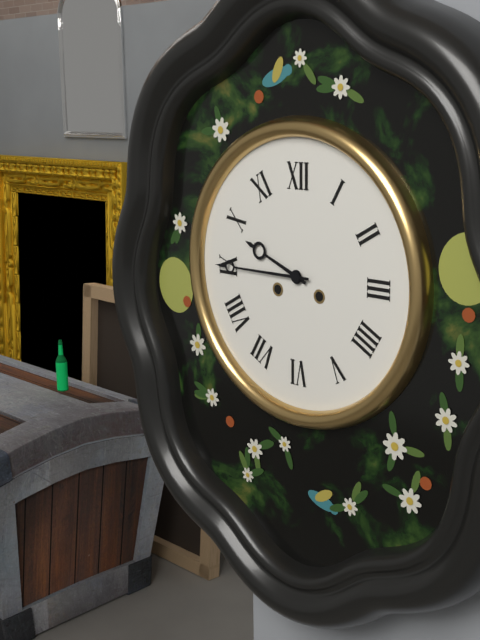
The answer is 9:45
